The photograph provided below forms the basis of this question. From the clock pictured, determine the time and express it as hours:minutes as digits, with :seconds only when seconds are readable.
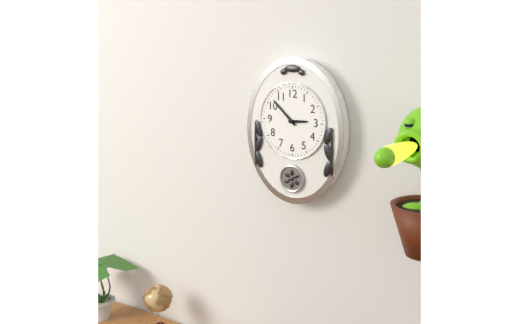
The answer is 2:52
